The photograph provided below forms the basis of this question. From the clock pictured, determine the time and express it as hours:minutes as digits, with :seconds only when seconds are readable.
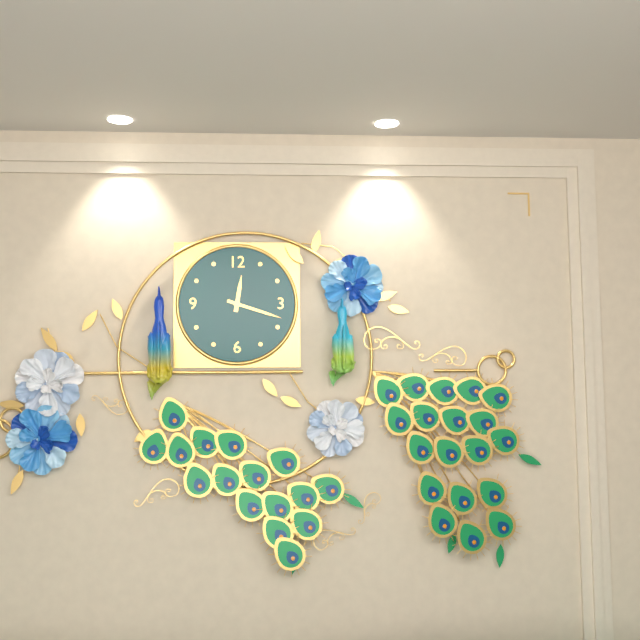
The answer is 12:18
